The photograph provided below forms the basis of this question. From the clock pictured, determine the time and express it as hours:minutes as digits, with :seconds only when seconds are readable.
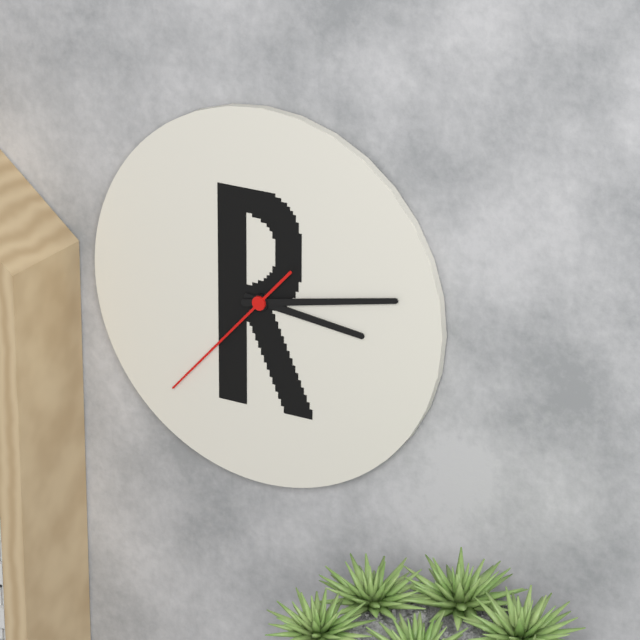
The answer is 3:13:37
